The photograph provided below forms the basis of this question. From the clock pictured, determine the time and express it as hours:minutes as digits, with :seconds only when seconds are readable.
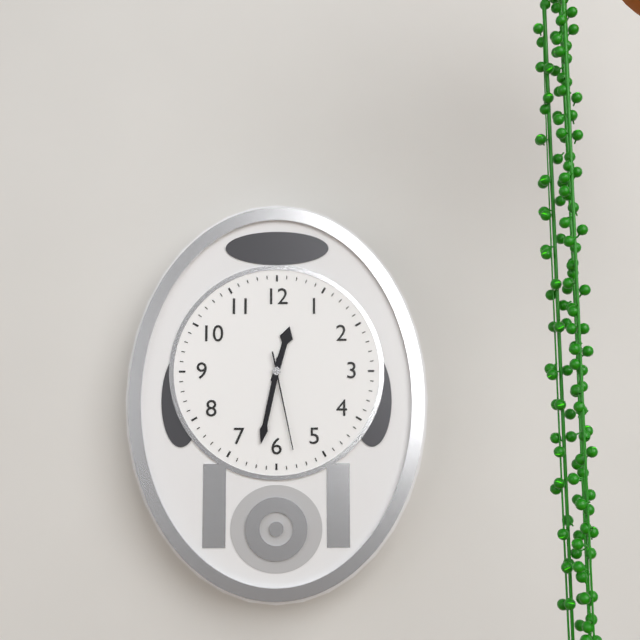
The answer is 12:32:28
